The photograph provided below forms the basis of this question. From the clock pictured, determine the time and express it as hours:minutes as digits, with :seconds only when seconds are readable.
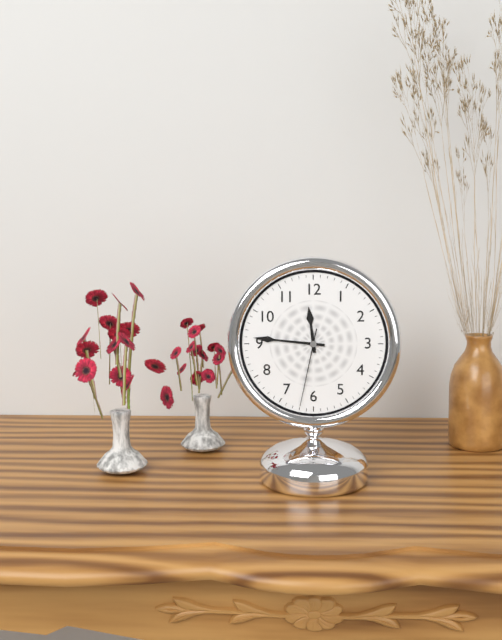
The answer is 11:46:32
